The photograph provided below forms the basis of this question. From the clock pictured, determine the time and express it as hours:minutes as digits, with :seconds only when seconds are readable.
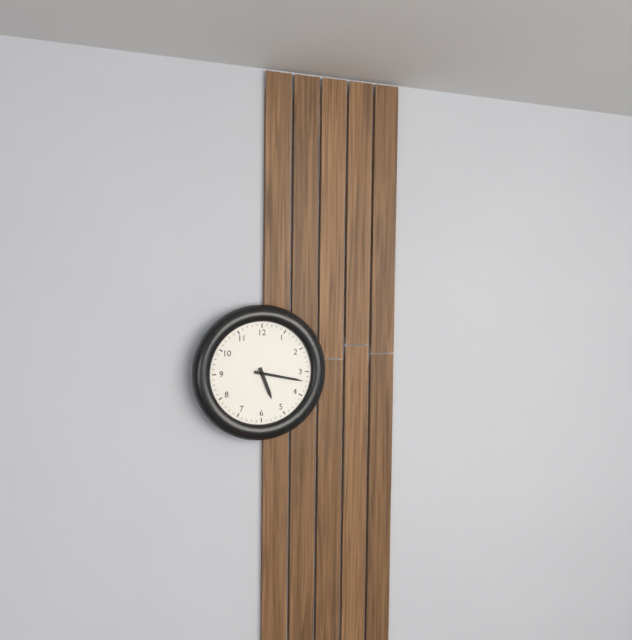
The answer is 5:17
